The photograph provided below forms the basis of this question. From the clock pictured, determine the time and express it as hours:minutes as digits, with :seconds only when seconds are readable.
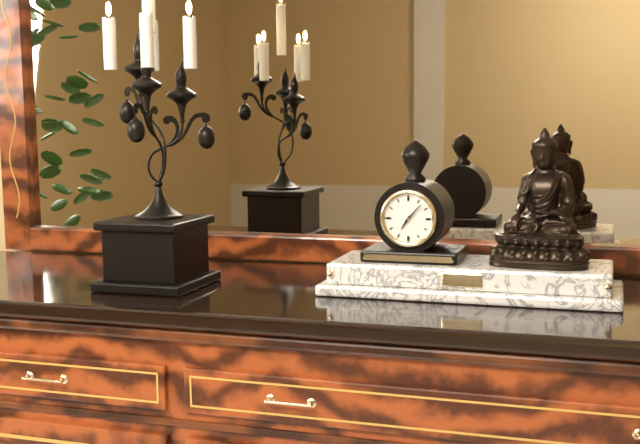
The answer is 7:07
